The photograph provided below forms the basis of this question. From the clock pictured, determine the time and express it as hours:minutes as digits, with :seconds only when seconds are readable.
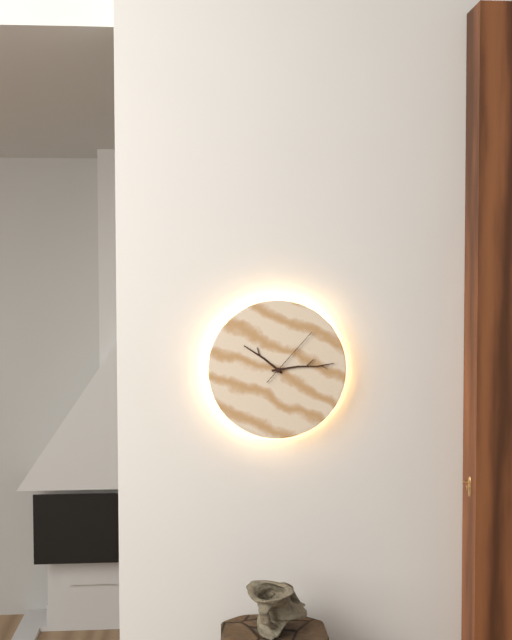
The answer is 10:14:07
